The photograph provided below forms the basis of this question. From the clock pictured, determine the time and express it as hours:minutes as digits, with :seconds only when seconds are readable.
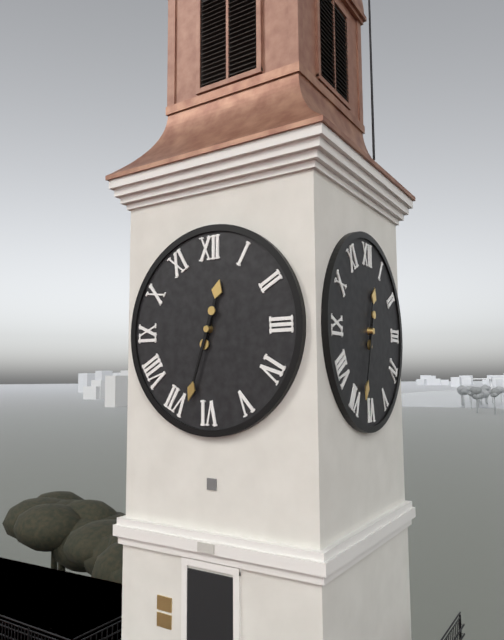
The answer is 12:33
